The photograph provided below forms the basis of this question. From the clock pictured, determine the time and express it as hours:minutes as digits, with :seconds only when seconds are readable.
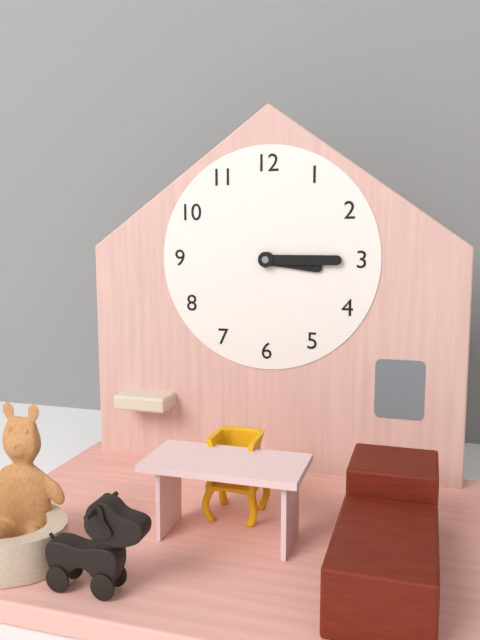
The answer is 3:15
